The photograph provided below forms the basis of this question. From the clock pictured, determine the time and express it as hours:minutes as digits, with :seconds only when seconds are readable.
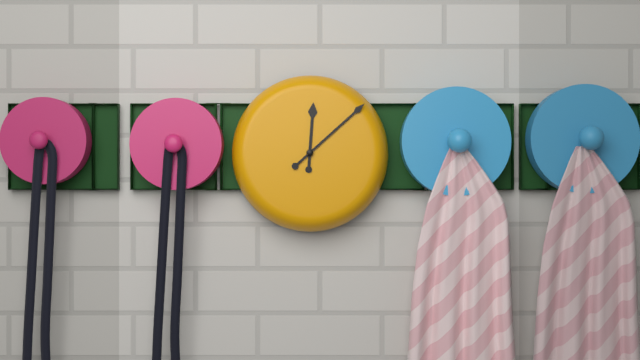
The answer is 12:08
